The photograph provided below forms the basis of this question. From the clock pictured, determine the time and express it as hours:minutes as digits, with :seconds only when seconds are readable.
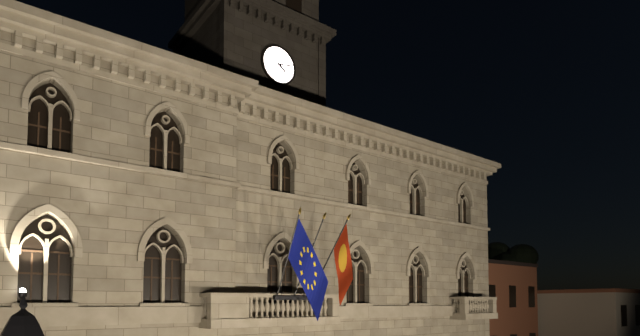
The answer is 4:13
